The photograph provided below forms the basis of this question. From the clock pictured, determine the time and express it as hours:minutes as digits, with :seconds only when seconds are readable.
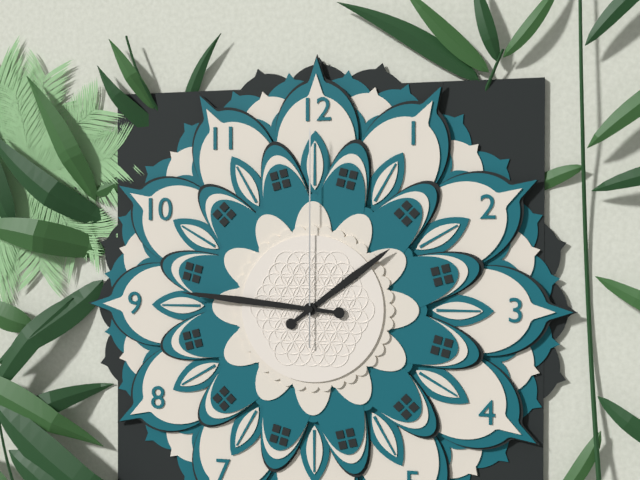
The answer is 1:46:00
